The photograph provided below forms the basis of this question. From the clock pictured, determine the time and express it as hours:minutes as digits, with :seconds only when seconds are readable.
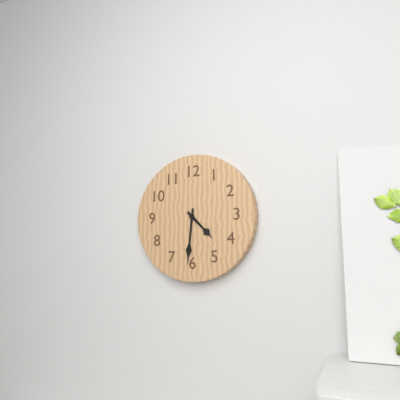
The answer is 4:31
